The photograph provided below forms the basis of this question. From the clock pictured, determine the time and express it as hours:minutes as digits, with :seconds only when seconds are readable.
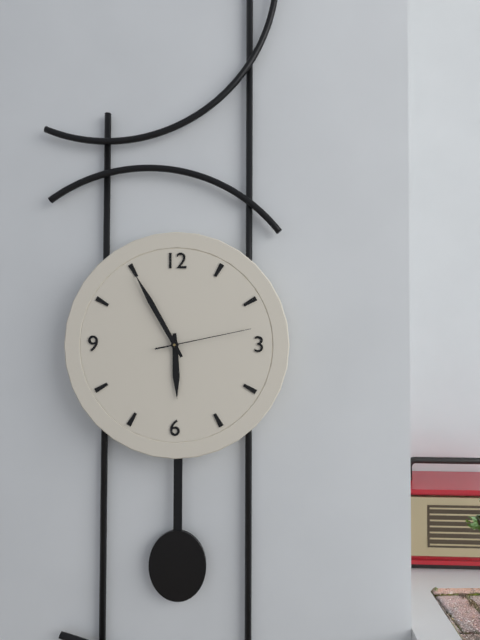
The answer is 5:55:13
